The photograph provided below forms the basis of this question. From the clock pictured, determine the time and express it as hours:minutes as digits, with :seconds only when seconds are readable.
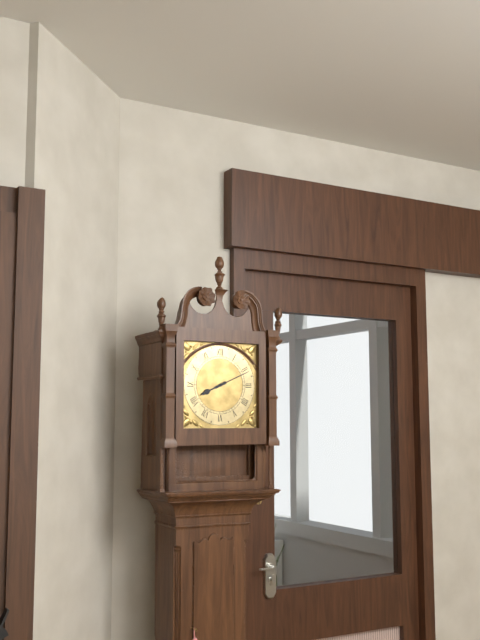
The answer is 8:11
